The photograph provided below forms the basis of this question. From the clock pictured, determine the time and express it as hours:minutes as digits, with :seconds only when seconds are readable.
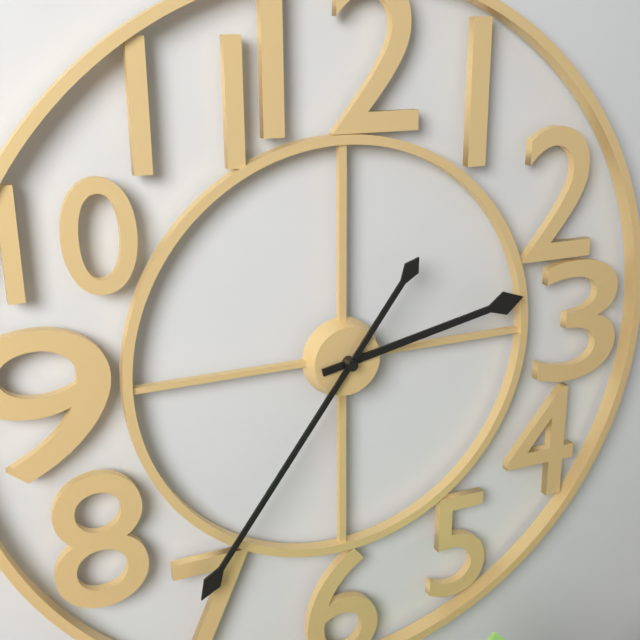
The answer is 2:36
